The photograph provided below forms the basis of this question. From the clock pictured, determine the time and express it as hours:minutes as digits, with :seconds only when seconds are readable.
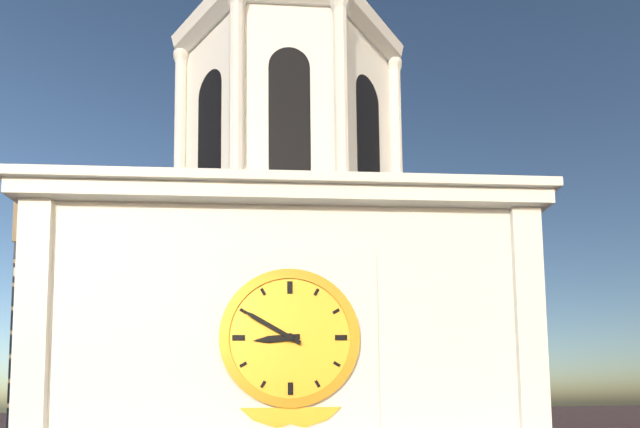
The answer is 8:50
